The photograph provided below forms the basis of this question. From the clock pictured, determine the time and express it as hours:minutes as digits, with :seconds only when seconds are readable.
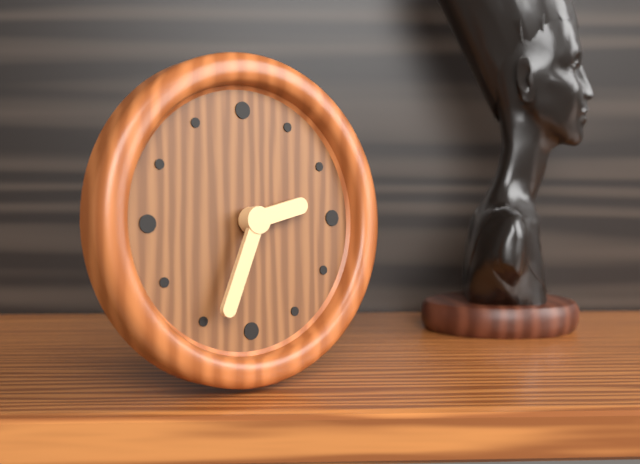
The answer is 2:34
